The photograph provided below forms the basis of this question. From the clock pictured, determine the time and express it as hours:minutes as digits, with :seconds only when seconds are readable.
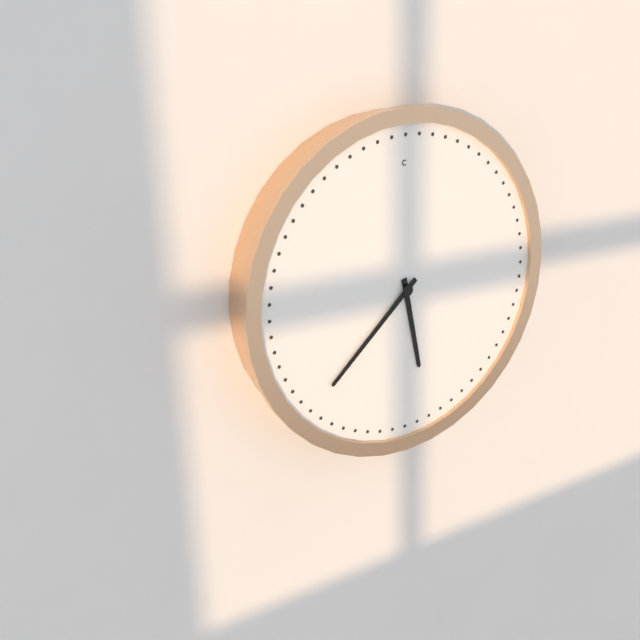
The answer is 5:38
